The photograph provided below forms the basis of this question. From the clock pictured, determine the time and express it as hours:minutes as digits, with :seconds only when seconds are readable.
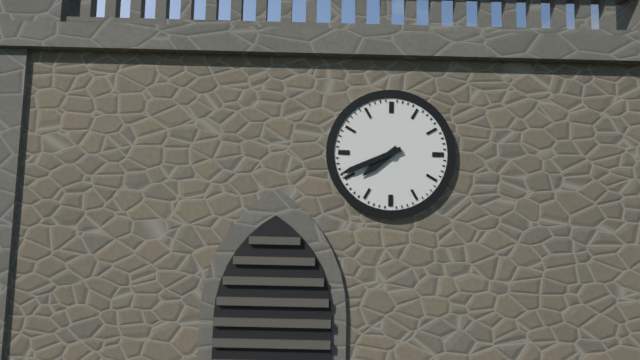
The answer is 7:41
